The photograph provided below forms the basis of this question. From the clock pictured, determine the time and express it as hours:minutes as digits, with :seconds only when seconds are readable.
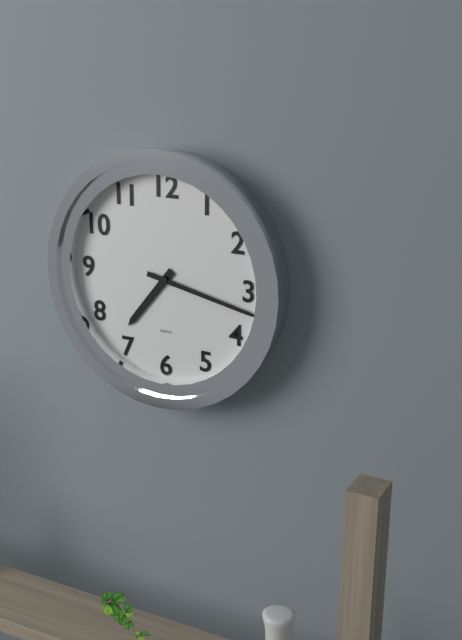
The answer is 7:17
